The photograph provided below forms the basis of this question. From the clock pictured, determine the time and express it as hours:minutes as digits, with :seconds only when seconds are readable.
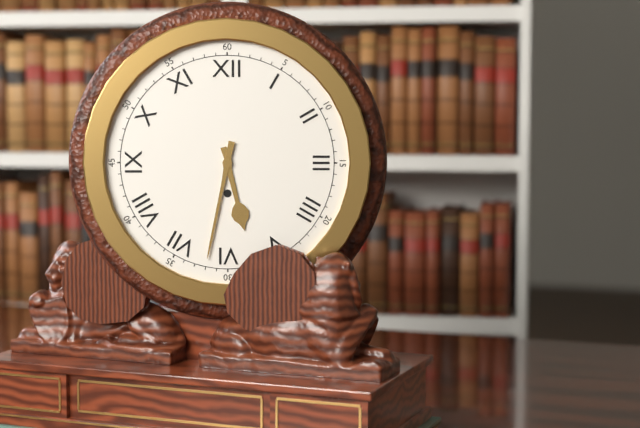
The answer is 5:32
